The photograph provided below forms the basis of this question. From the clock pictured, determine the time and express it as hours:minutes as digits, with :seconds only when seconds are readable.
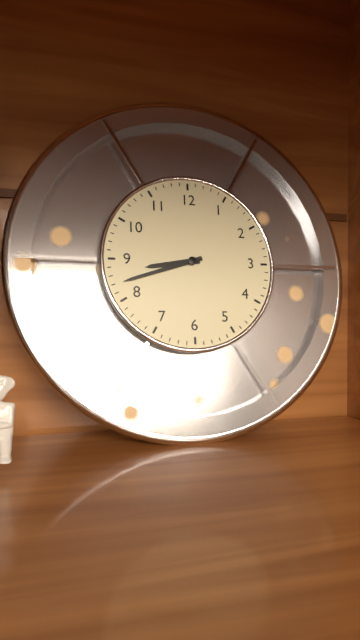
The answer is 8:42
